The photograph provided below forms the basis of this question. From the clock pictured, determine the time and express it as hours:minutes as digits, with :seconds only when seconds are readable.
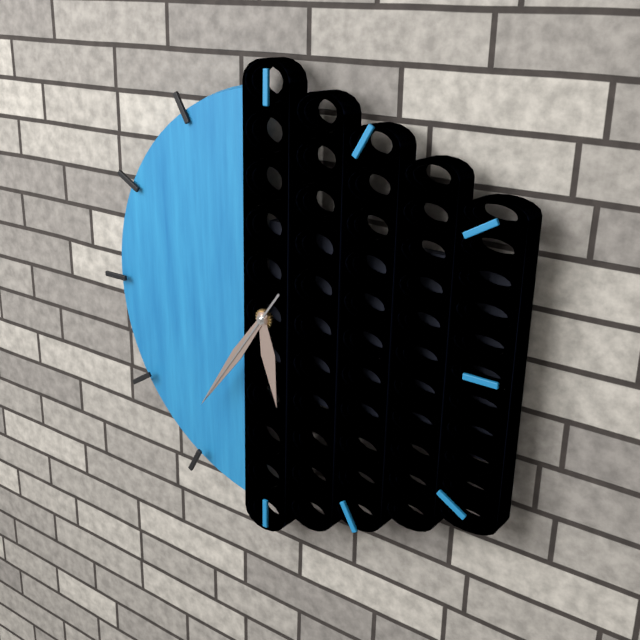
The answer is 5:36:36
